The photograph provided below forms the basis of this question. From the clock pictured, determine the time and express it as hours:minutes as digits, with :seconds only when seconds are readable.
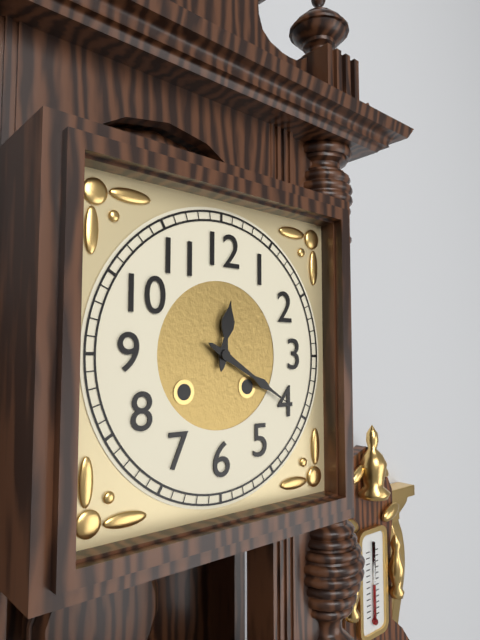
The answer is 12:20
